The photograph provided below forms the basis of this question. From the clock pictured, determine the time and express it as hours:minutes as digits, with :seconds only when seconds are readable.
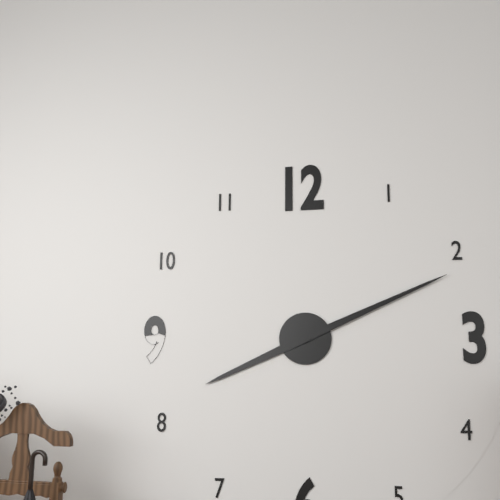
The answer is 8:11
